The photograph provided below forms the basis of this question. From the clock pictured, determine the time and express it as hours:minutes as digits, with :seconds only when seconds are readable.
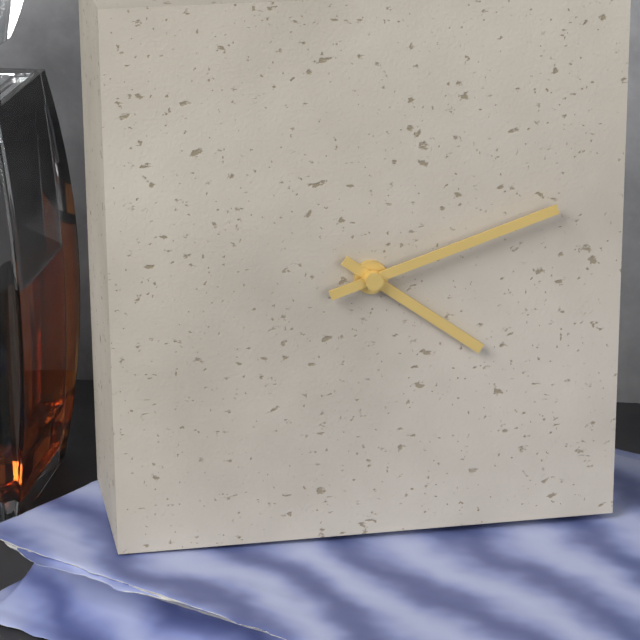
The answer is 4:12
